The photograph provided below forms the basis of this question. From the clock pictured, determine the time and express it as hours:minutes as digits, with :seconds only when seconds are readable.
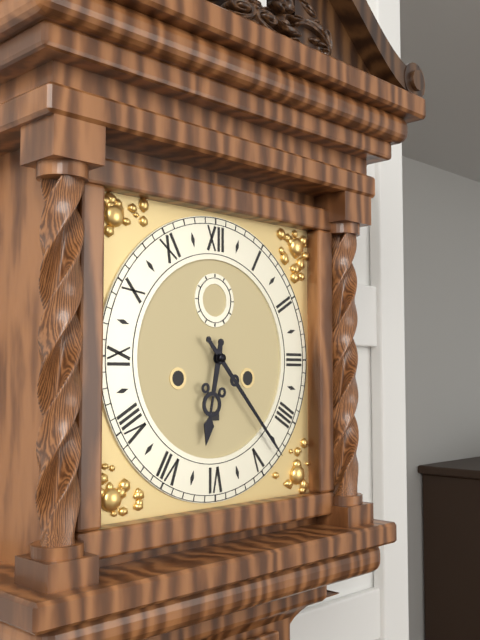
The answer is 6:23
